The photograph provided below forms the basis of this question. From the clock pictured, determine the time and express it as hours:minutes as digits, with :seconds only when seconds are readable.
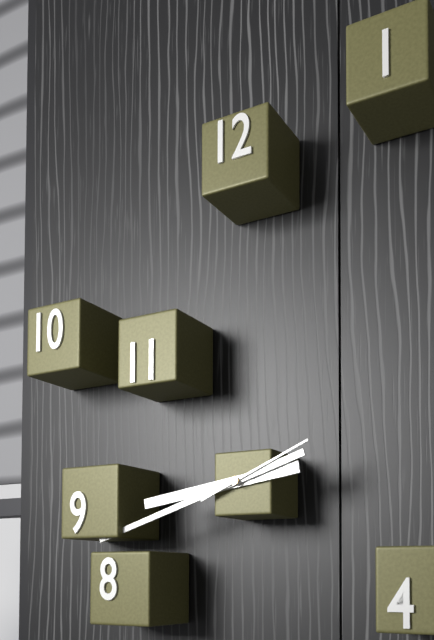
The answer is 8:42:11
